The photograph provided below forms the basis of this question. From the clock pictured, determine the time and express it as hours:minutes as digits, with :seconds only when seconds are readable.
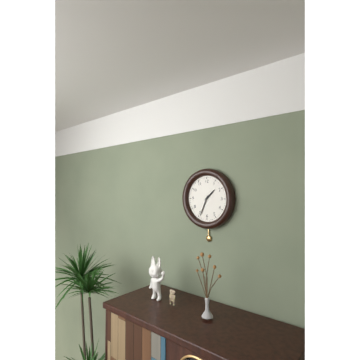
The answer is 1:34
